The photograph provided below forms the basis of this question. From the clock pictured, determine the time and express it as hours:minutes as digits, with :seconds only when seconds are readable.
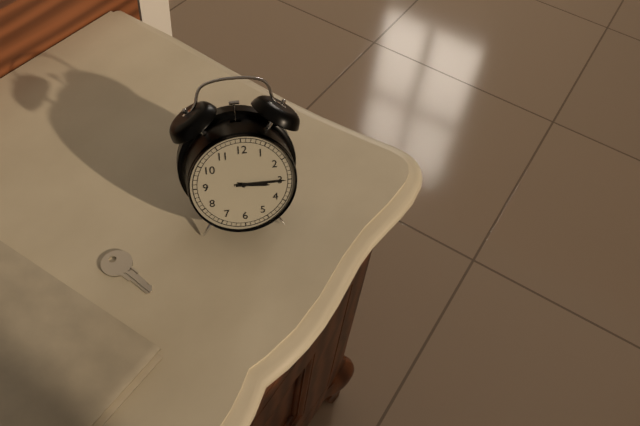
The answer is 3:15
